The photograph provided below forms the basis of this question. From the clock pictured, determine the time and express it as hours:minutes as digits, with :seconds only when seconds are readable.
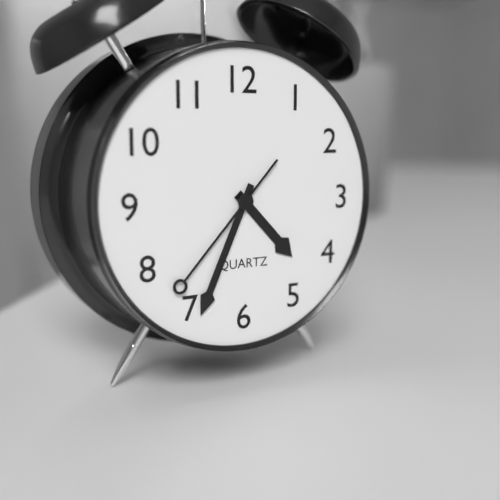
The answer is 4:34:37
